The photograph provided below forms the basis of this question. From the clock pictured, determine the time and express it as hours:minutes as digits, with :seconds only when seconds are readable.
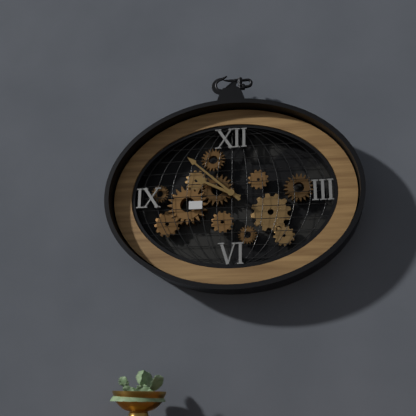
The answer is 9:52
